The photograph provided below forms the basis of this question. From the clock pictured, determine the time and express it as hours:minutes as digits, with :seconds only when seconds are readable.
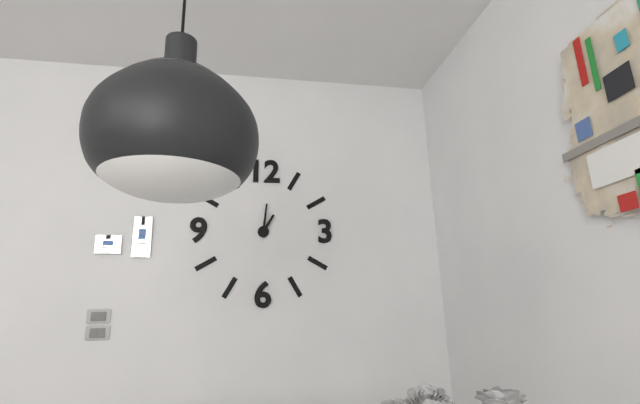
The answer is 1:01
